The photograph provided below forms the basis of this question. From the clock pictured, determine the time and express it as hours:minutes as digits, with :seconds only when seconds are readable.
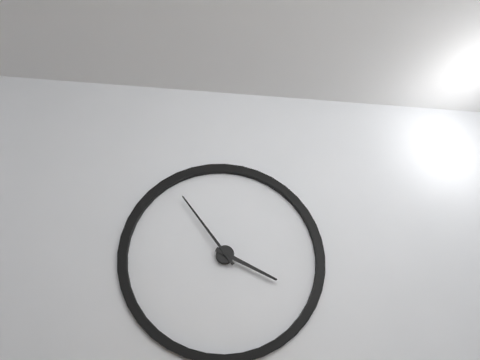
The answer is 3:54
